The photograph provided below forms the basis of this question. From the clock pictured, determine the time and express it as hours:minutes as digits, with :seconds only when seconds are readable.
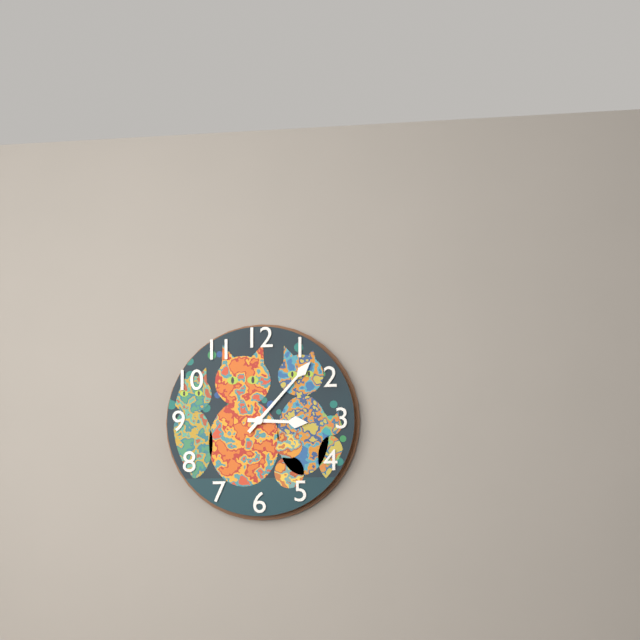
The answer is 3:07
